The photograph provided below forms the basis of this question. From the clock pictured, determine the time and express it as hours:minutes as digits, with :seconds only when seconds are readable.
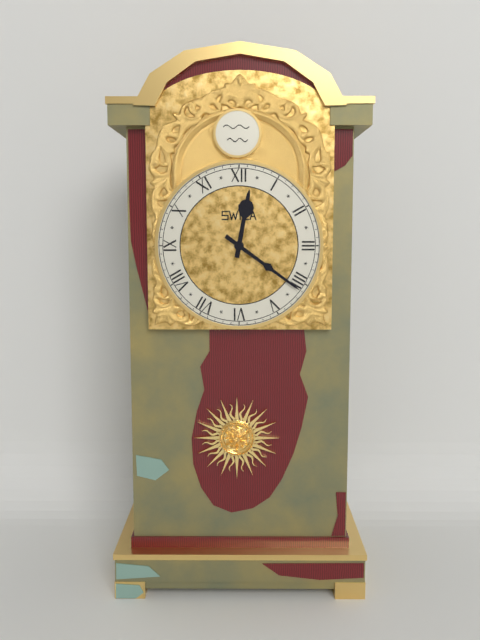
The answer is 12:21
